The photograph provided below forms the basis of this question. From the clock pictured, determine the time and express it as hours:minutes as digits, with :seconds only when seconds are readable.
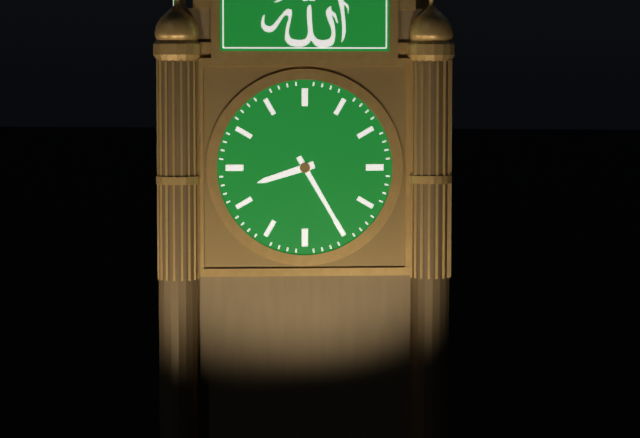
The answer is 8:25
